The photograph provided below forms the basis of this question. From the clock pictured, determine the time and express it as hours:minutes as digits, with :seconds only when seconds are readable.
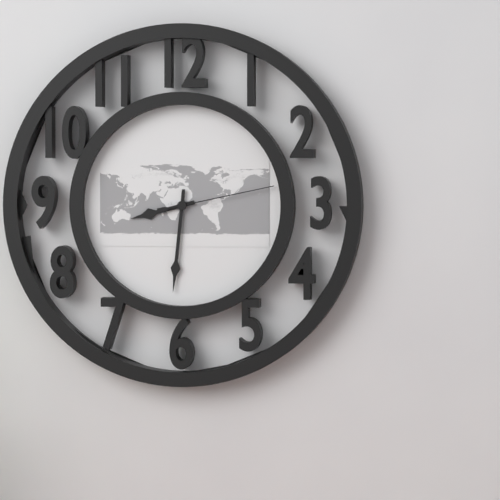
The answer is 8:31:13
